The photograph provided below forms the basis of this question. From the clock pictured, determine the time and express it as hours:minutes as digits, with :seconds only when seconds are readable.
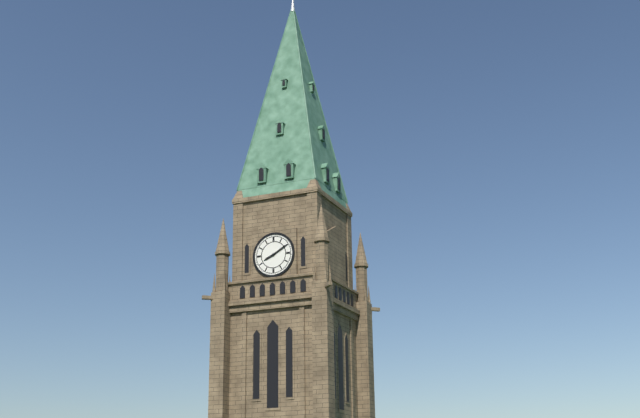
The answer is 8:10
